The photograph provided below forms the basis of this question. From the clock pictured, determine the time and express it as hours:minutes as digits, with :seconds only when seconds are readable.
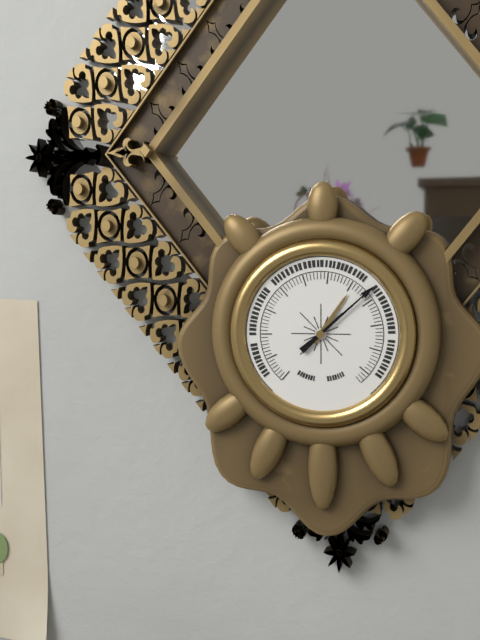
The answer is 1:08
